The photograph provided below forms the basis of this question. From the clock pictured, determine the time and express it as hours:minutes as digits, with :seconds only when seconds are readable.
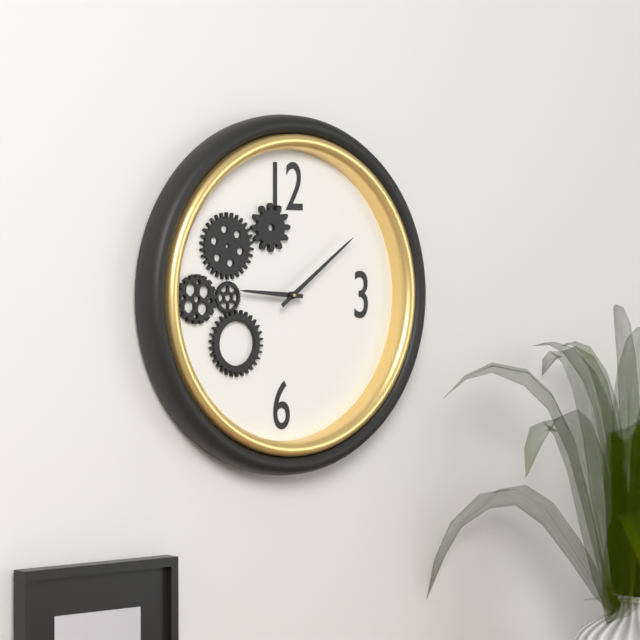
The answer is 9:09
